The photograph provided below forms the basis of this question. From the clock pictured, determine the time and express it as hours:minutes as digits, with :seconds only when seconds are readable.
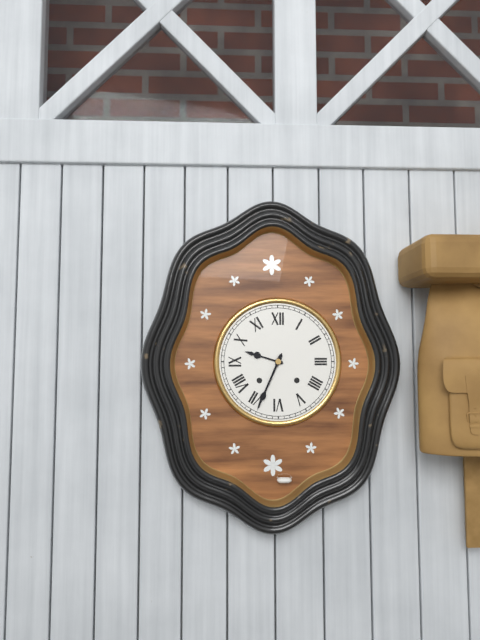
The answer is 9:34
